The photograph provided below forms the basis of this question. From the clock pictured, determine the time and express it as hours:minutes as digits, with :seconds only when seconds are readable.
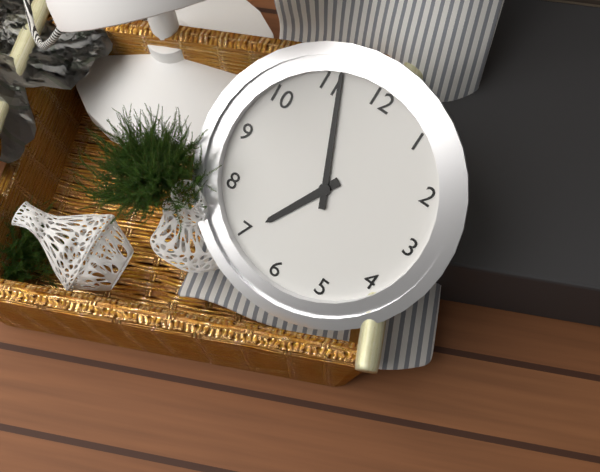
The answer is 6:56
